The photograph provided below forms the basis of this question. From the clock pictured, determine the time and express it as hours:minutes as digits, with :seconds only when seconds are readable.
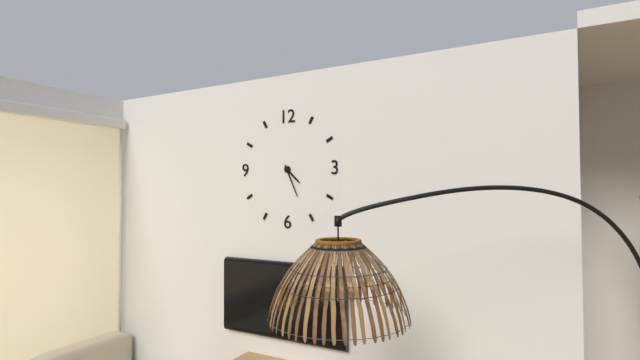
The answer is 4:26
